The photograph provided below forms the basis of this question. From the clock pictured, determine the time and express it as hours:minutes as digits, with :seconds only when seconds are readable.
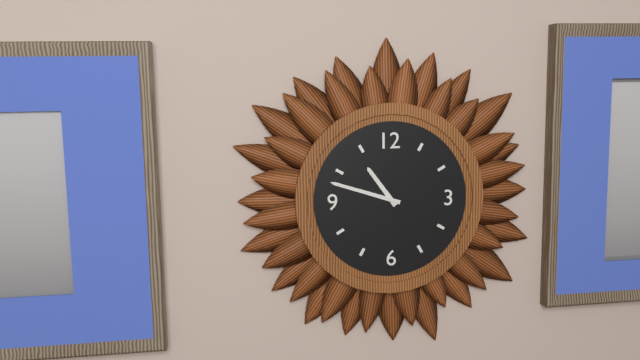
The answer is 10:48
